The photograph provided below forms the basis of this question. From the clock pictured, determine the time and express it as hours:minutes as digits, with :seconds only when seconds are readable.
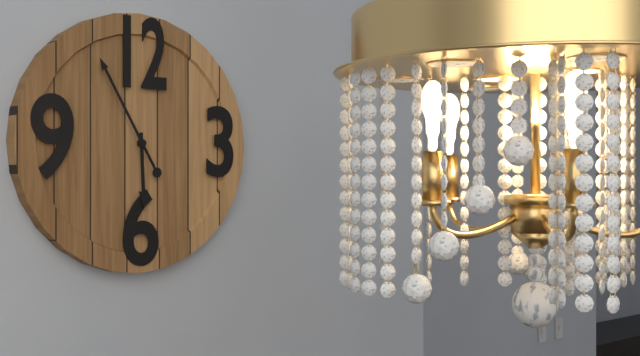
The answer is 5:55
